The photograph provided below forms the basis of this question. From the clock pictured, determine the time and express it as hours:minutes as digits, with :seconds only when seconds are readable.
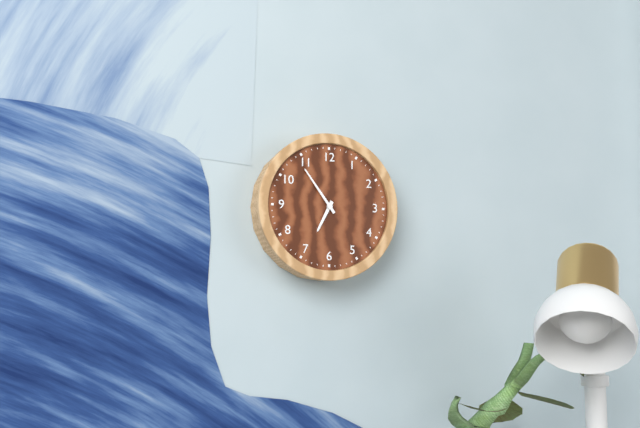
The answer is 6:54
